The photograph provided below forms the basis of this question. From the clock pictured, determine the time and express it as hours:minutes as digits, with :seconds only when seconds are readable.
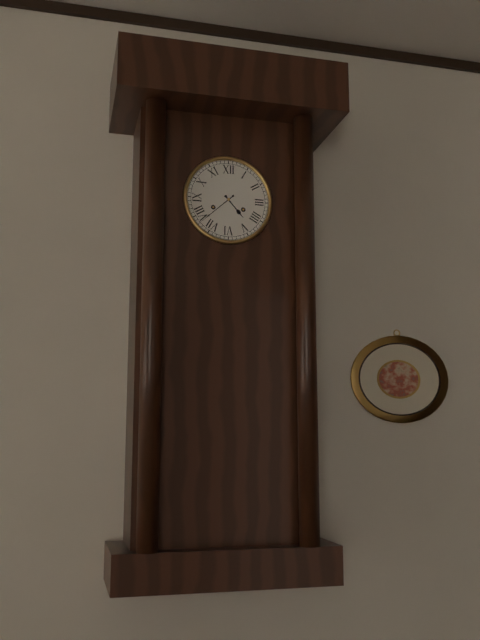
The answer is 4:38
